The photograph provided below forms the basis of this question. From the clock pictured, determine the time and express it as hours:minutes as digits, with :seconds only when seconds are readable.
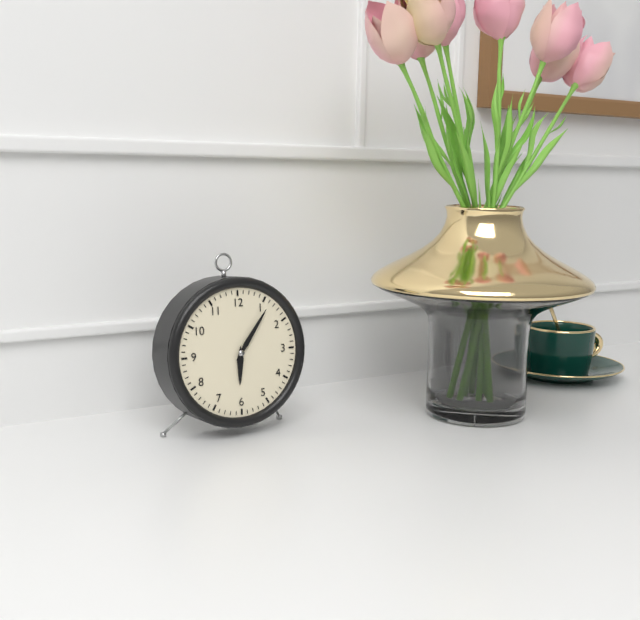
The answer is 6:06
